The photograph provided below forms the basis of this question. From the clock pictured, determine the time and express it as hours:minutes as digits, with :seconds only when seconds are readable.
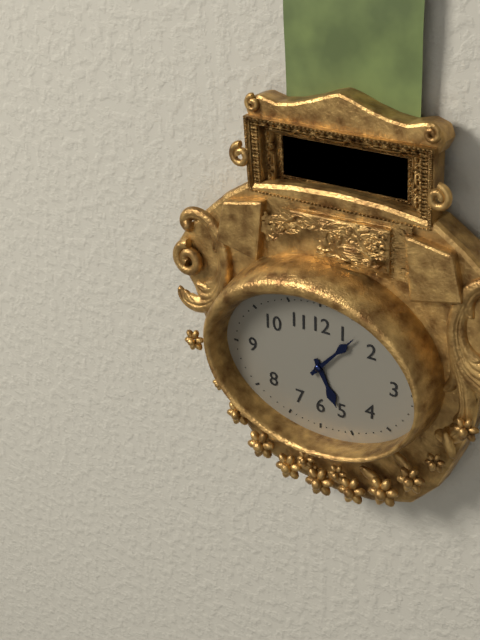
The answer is 5:07
